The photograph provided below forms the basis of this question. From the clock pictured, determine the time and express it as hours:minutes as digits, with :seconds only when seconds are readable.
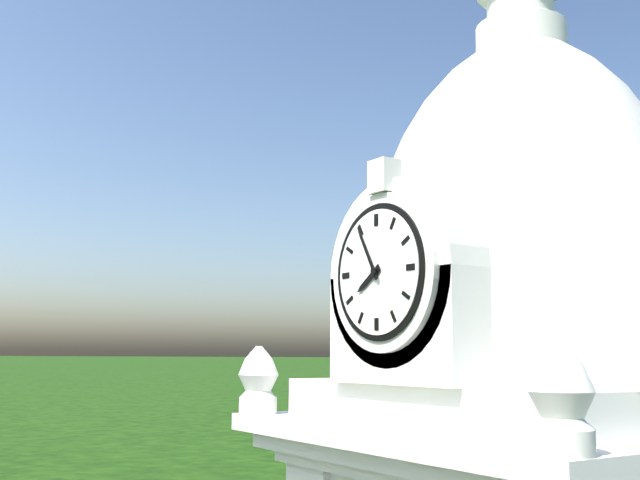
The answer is 7:55
